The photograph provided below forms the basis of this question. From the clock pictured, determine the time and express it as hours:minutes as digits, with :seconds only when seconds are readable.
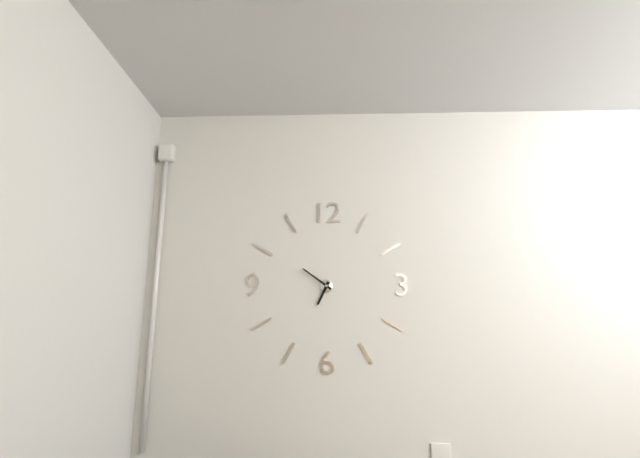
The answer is 6:51
